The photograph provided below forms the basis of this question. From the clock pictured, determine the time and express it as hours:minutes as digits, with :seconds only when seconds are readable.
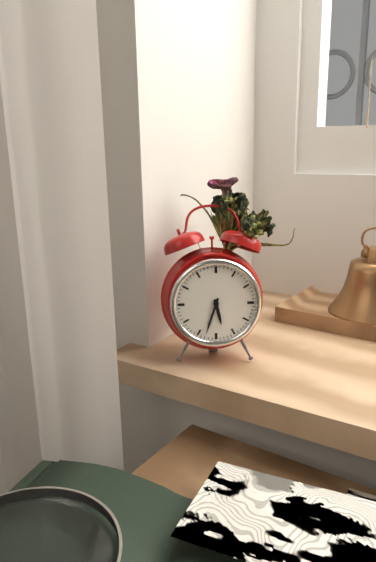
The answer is 5:33
